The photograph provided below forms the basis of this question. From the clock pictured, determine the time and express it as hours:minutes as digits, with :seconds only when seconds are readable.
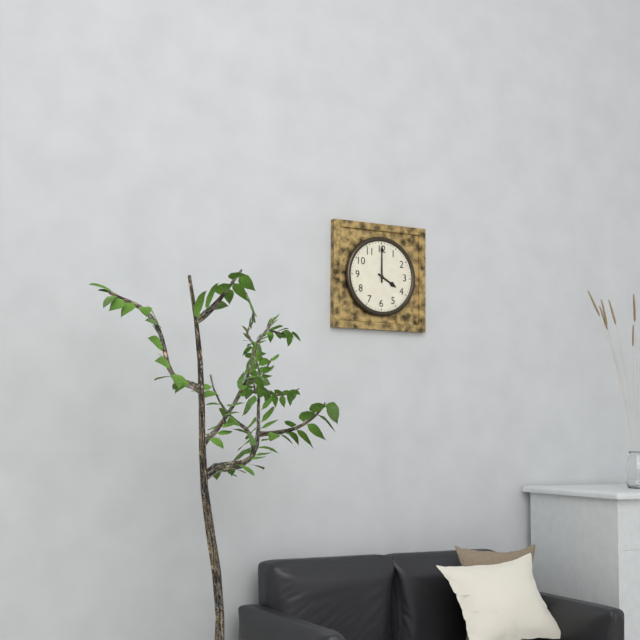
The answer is 4:00
